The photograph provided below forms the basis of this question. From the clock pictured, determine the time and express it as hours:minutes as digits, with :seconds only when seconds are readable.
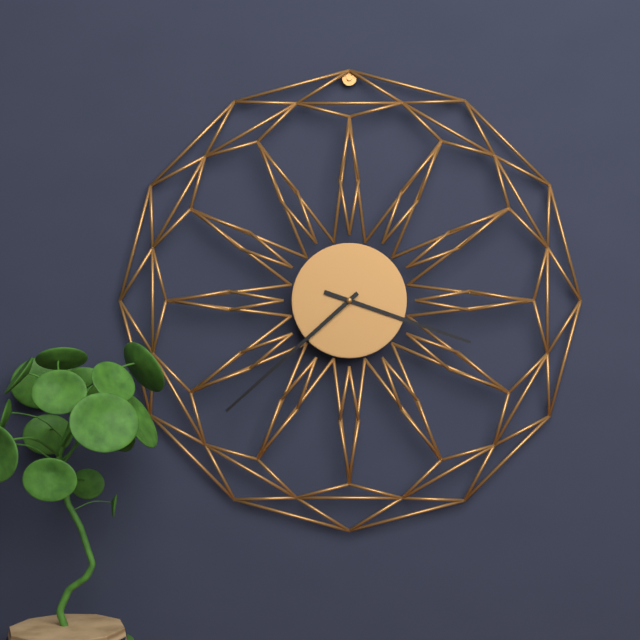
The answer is 3:38
